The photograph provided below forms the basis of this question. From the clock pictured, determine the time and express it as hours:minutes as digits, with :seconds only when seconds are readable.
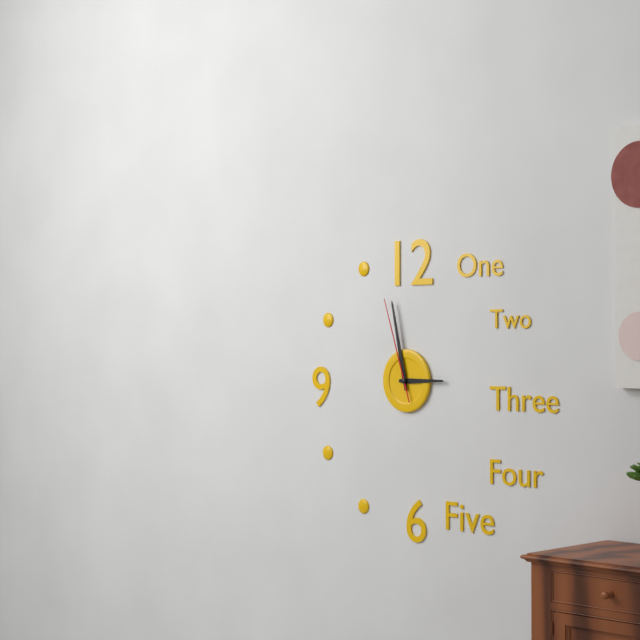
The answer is 2:58:57
